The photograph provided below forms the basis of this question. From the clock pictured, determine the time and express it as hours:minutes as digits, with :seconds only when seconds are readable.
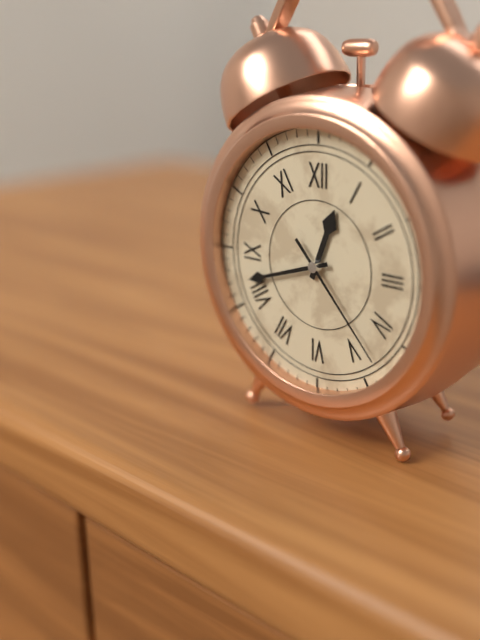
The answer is 12:42:23
